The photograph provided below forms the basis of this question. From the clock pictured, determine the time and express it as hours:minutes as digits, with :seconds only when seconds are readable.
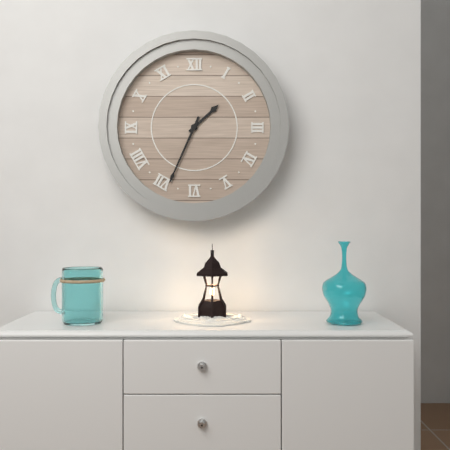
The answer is 1:34
